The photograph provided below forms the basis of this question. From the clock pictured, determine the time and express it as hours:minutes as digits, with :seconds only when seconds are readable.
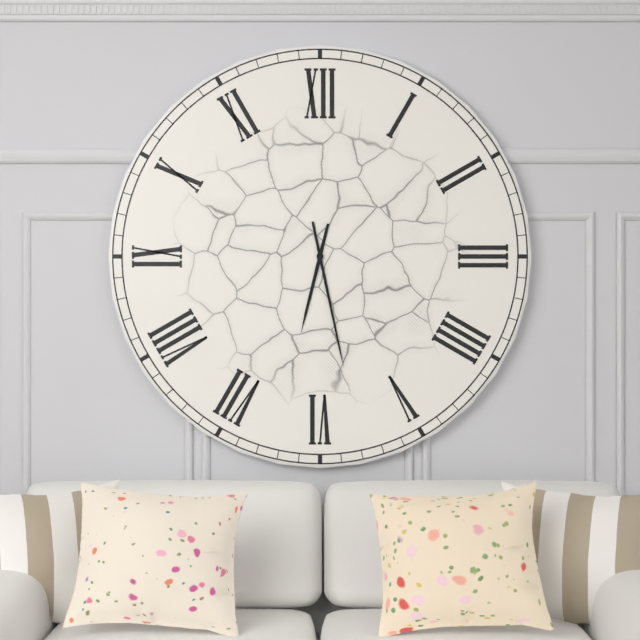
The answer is 6:28
